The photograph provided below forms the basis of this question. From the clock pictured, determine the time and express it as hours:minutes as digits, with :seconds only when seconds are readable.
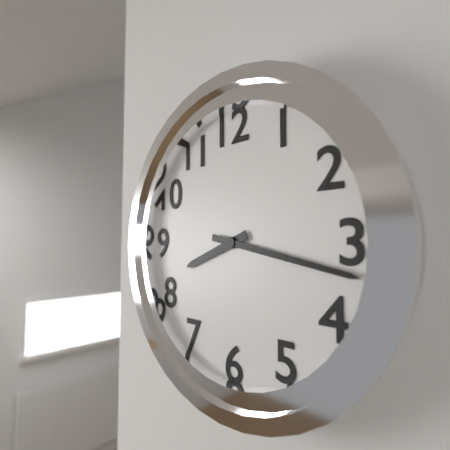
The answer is 8:17
